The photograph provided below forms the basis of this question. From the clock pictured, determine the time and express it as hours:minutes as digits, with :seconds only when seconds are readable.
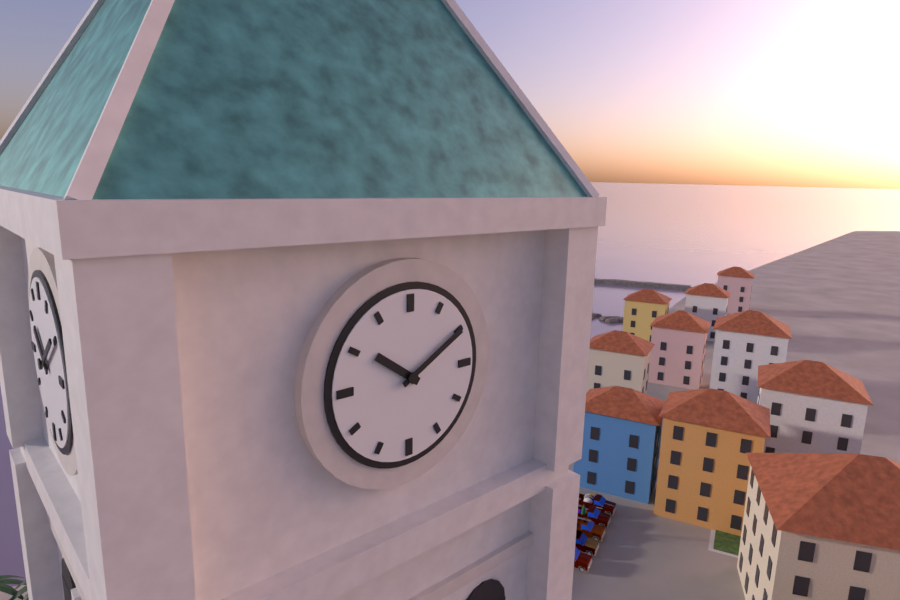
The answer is 10:10
